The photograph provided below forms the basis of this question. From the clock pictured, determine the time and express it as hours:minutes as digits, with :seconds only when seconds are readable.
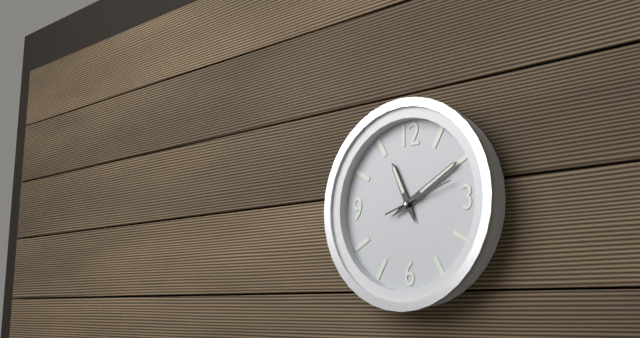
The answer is 11:10:12
